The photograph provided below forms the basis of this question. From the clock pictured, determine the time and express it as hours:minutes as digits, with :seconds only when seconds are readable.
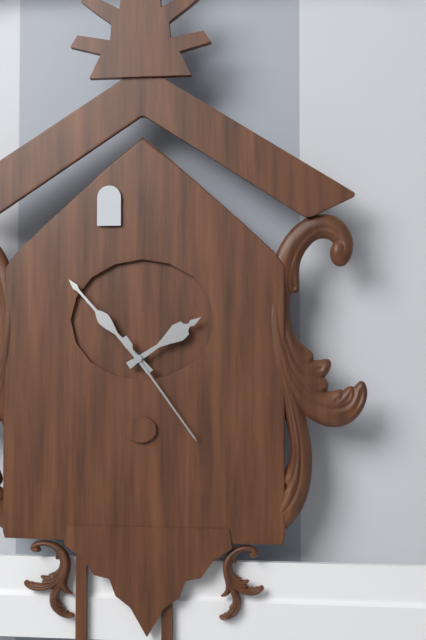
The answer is 1:53:24
